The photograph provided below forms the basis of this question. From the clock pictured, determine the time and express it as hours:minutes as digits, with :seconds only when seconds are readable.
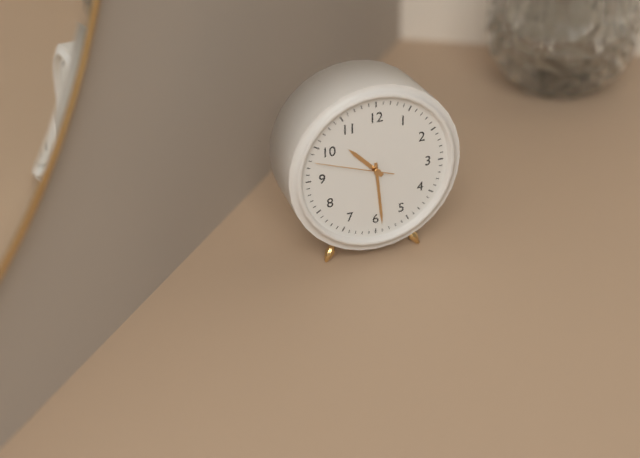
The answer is 10:29:48
